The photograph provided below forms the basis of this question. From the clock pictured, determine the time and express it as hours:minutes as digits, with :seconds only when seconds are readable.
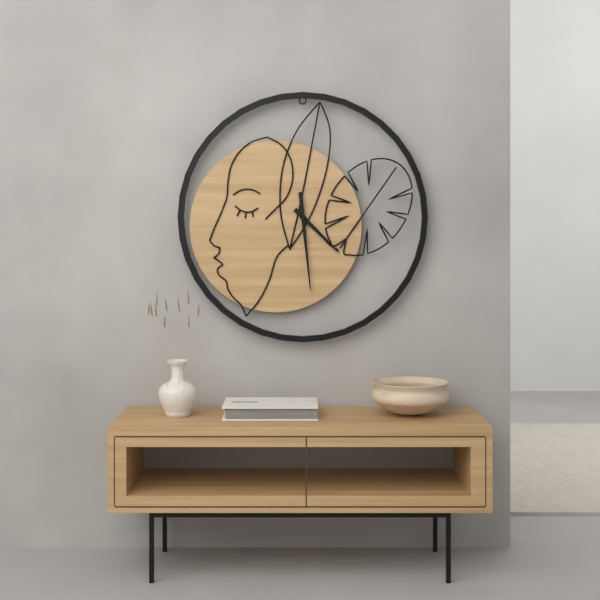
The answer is 4:29
